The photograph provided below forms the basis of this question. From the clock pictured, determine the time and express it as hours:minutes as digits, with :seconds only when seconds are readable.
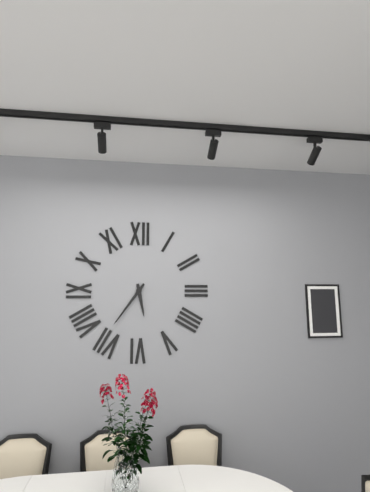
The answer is 5:36
